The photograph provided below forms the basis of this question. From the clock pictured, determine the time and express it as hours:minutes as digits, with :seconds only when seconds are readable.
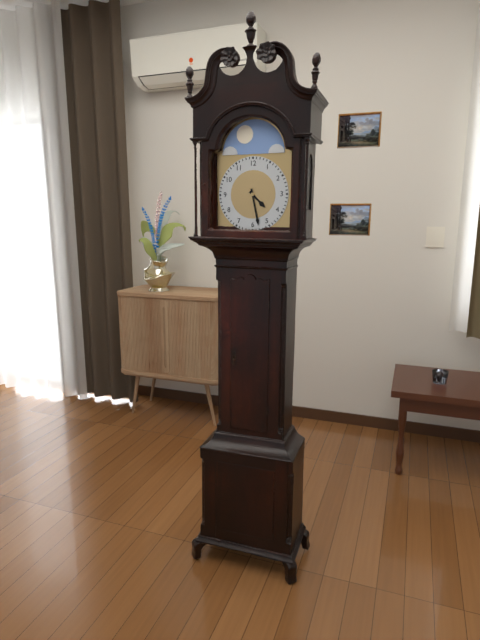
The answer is 4:28
